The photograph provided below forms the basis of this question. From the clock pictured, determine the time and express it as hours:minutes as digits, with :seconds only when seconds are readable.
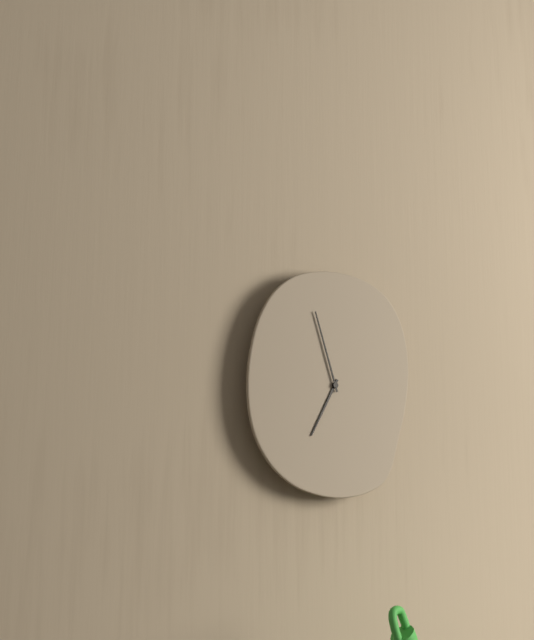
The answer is 6:57
